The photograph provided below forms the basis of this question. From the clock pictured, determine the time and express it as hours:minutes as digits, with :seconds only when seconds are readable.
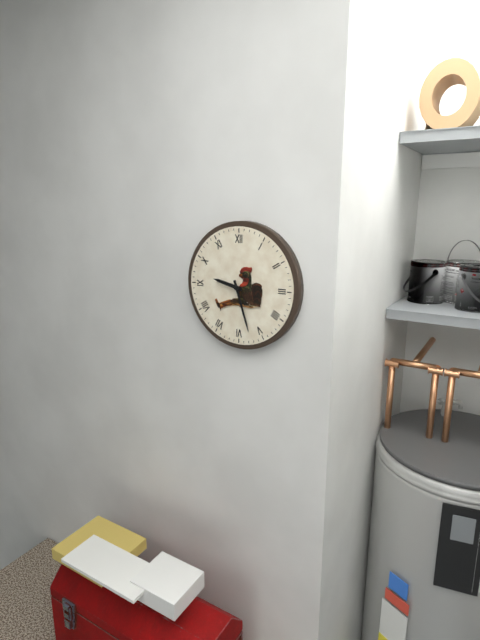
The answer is 9:27
